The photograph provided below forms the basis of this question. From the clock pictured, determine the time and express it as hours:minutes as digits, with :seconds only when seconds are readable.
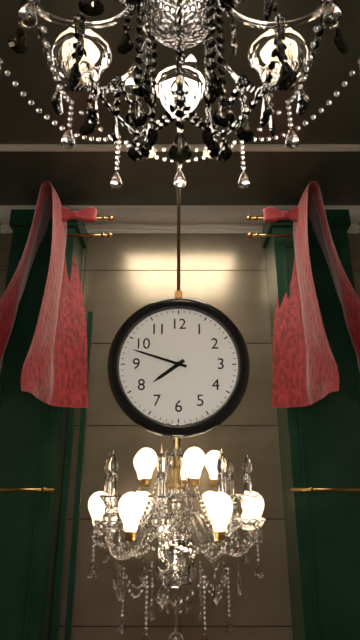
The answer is 7:48
